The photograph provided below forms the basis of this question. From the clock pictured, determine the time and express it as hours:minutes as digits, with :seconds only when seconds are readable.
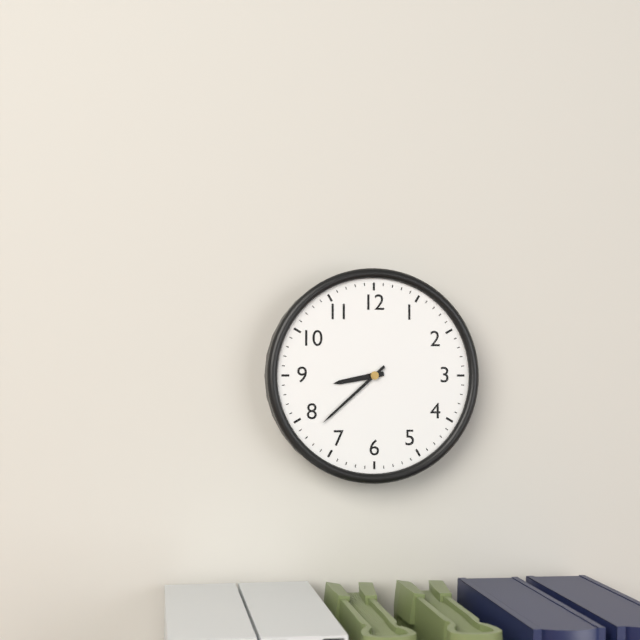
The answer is 8:38
